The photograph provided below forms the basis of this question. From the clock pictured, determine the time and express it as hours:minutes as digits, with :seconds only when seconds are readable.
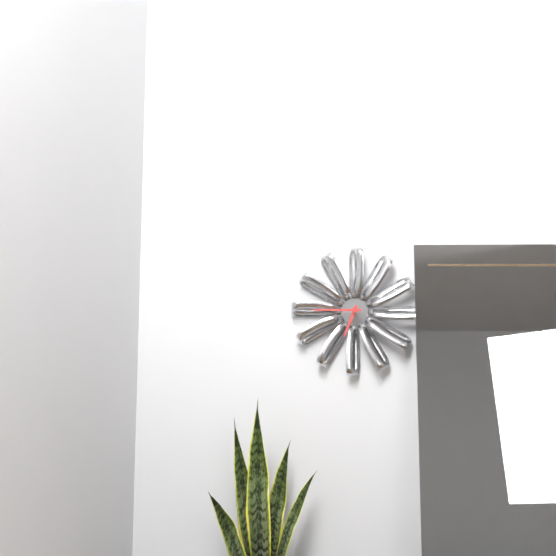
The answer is 6:45
